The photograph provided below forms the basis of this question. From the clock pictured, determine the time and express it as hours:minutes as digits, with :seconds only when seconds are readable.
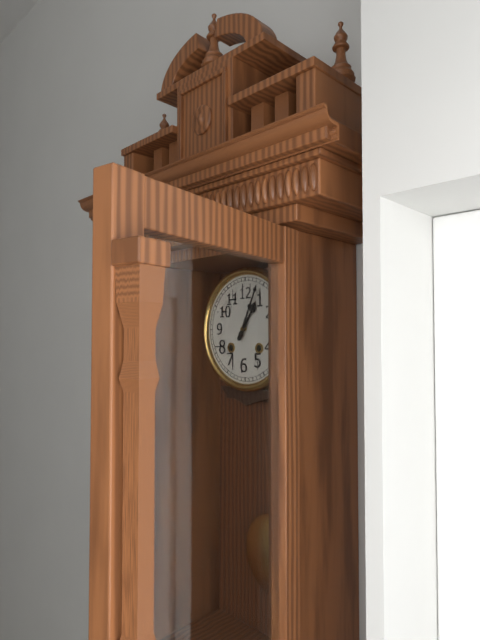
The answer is 1:04
